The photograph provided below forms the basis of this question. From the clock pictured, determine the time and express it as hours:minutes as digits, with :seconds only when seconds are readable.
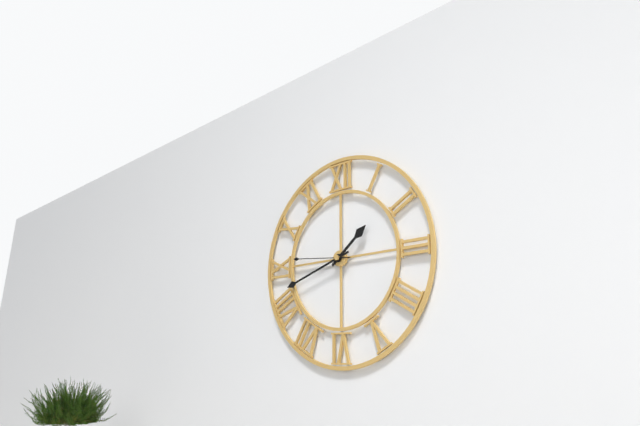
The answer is 1:42:46
